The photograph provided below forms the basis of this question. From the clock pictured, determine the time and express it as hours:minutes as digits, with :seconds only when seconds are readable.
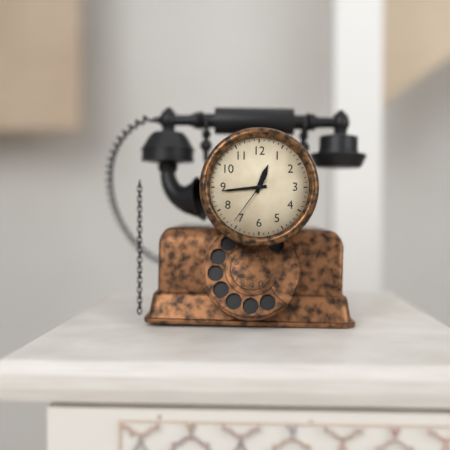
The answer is 12:44:36
